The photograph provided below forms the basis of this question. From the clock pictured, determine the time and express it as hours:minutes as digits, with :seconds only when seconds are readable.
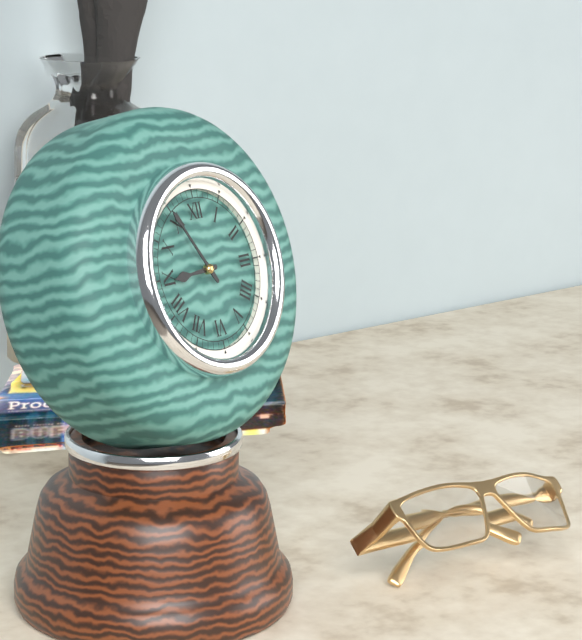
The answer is 8:55
